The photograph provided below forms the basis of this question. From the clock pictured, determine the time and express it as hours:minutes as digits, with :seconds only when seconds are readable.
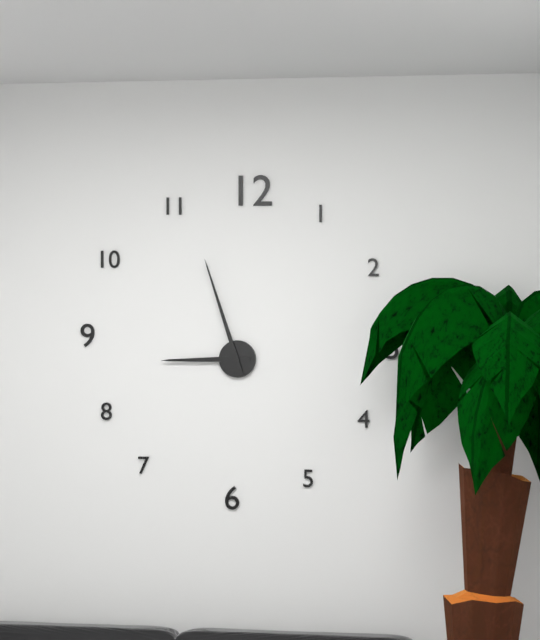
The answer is 8:57
